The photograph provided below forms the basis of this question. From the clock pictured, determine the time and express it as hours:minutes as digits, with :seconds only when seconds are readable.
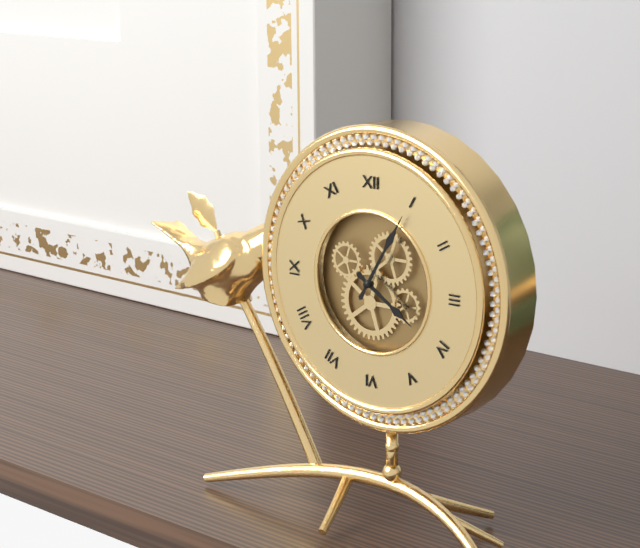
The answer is 4:05
